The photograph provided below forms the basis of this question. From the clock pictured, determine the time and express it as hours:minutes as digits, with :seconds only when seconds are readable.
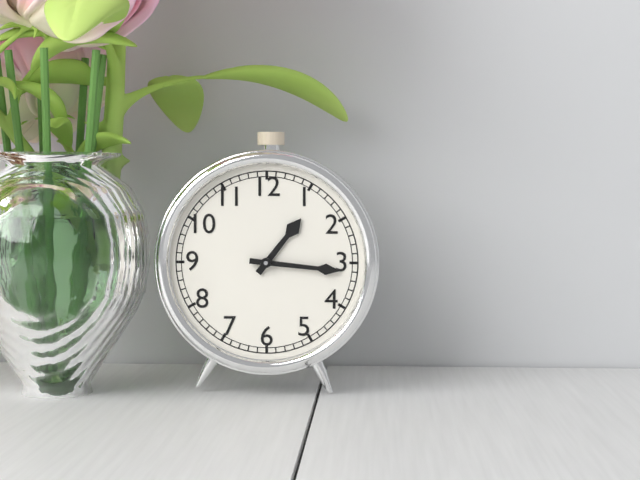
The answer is 1:16
